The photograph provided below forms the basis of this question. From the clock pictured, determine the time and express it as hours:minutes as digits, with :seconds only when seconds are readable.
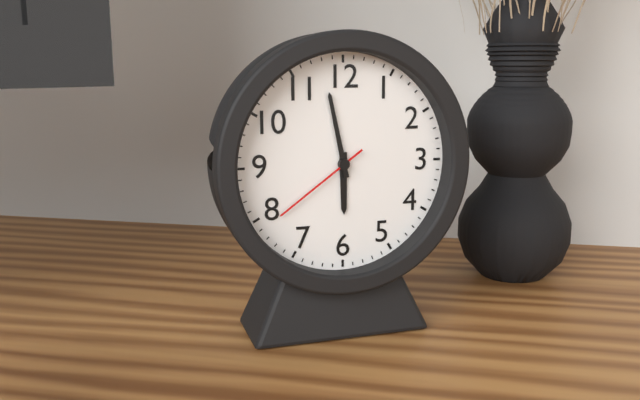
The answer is 5:58:39
